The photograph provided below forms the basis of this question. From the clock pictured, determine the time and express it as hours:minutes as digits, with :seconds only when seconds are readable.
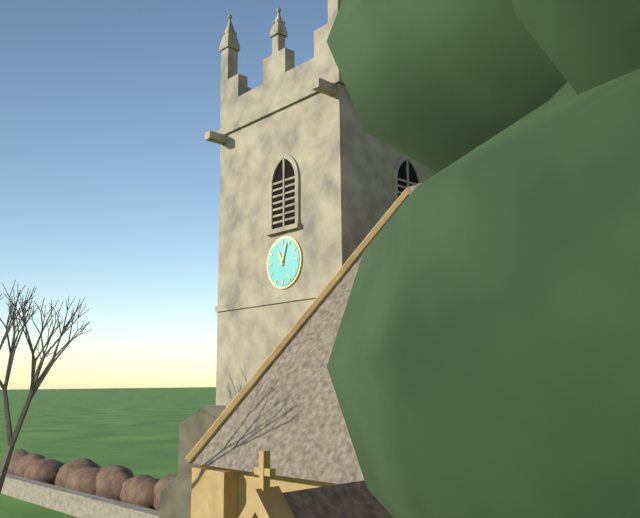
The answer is 11:03
